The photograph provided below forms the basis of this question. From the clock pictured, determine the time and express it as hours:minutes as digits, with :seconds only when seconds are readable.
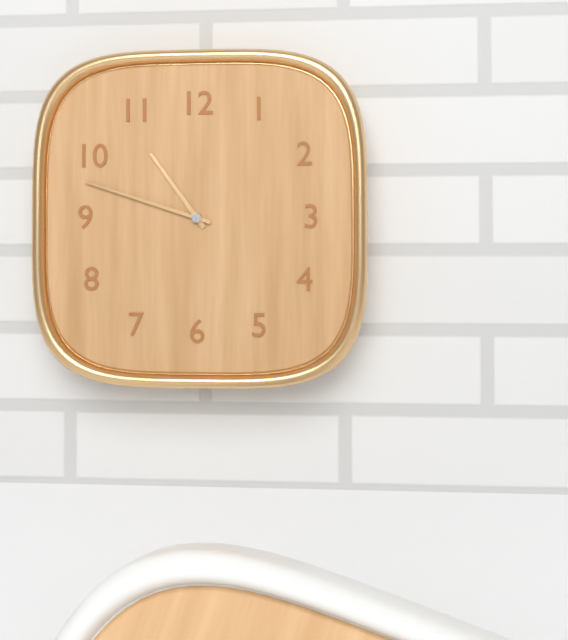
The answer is 10:48
